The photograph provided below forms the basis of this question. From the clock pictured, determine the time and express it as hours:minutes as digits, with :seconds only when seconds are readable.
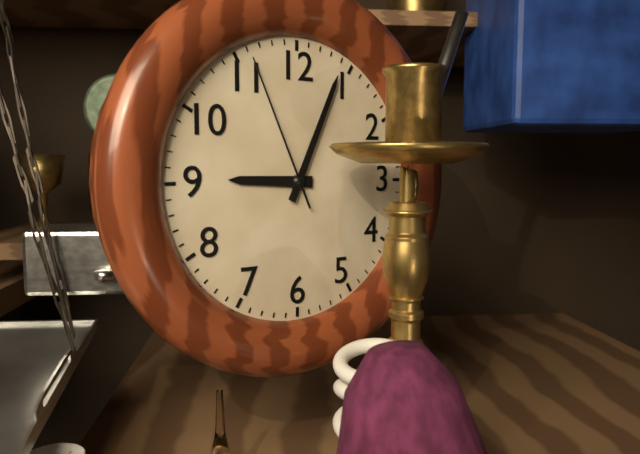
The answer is 9:04:56
